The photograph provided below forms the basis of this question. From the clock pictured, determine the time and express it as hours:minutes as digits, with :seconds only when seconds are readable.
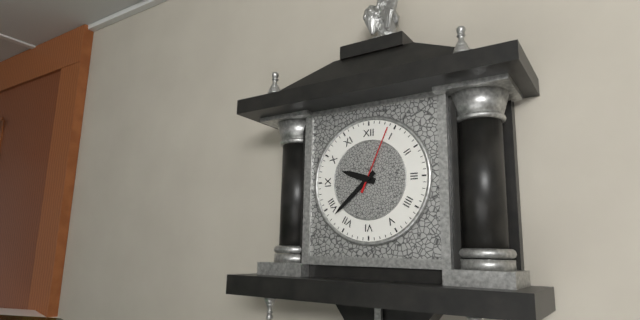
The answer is 9:38:04
